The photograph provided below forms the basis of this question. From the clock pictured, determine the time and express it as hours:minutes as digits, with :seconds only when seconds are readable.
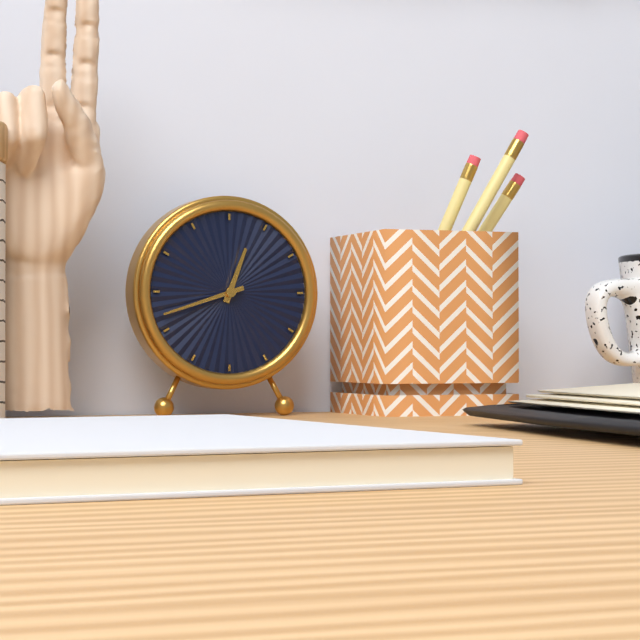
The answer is 12:42
